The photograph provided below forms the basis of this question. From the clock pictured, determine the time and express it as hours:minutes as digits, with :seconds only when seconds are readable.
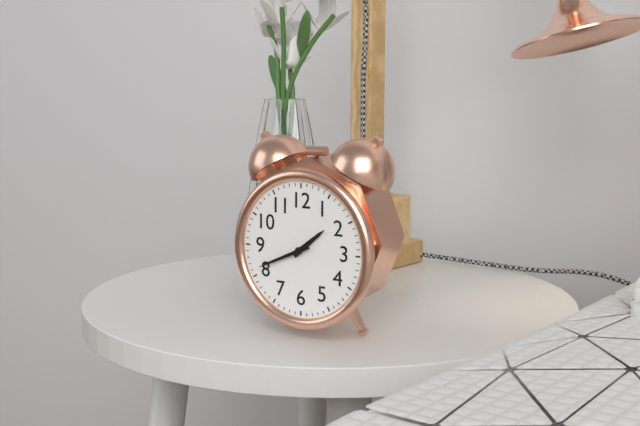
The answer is 1:41
